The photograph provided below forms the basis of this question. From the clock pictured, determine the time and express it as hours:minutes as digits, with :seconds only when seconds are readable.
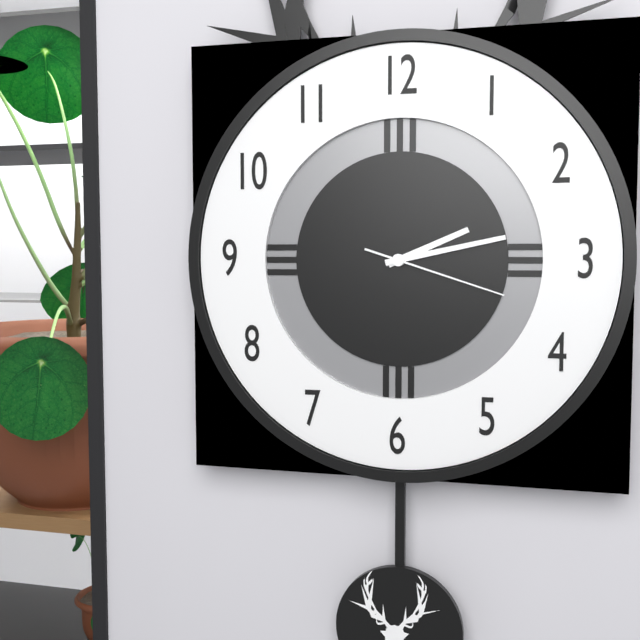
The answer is 2:13:18
